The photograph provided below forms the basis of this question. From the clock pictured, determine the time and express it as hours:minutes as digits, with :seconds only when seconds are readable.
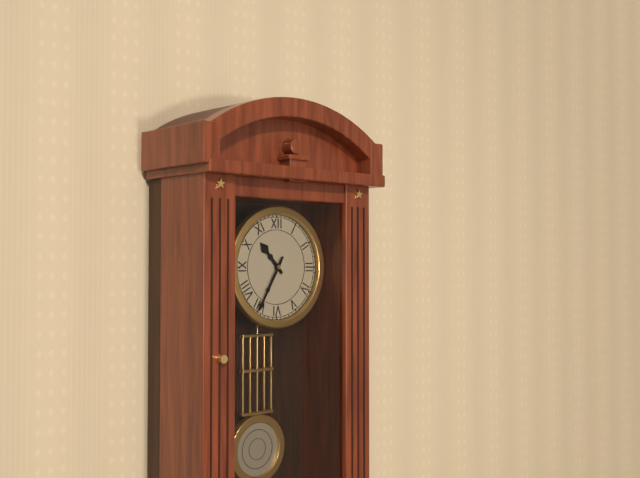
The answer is 10:35
